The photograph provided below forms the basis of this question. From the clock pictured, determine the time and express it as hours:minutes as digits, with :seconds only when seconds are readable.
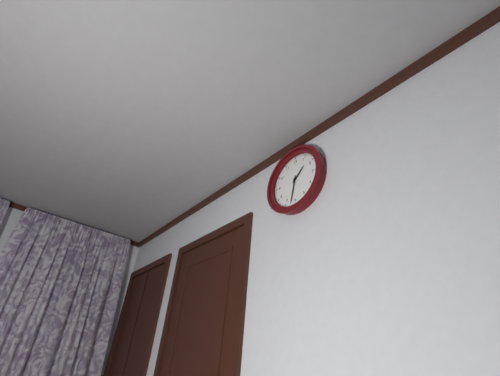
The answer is 1:32
